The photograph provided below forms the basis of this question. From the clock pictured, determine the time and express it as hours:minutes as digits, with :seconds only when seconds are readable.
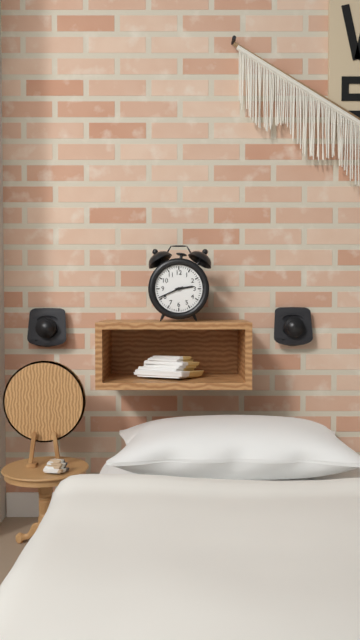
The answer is 2:41
